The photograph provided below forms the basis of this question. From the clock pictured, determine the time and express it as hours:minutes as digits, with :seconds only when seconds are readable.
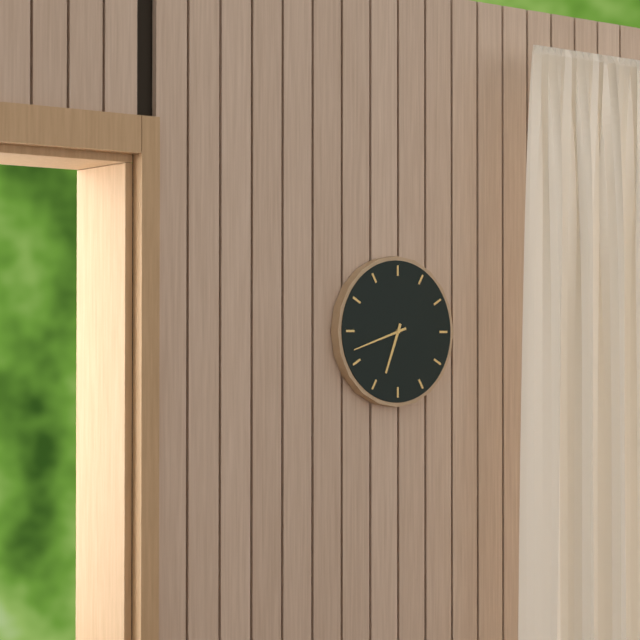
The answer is 6:42
